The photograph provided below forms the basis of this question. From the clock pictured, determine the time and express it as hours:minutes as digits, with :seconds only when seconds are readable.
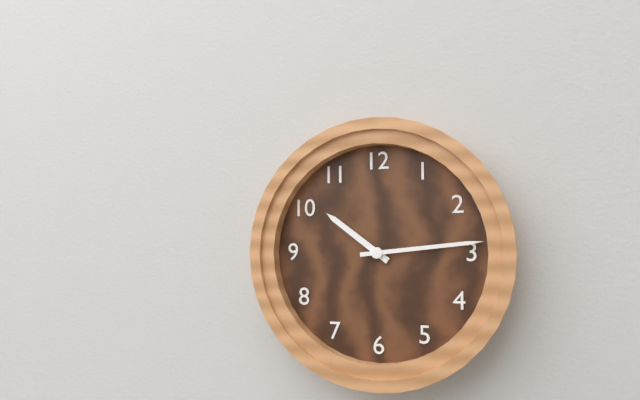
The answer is 10:14
